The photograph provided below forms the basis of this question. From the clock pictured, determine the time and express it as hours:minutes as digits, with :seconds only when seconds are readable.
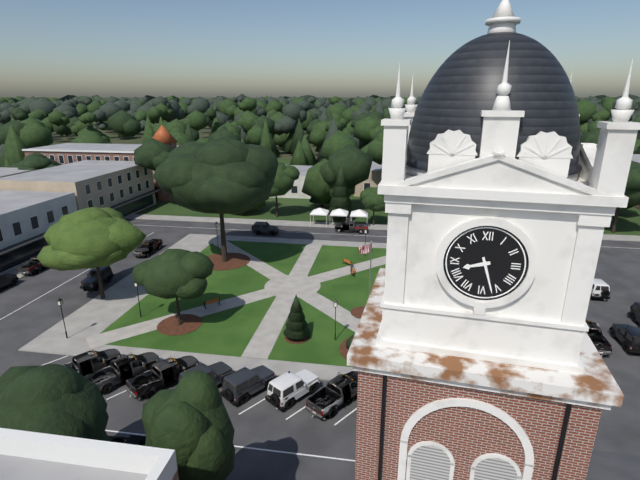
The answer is 8:27
